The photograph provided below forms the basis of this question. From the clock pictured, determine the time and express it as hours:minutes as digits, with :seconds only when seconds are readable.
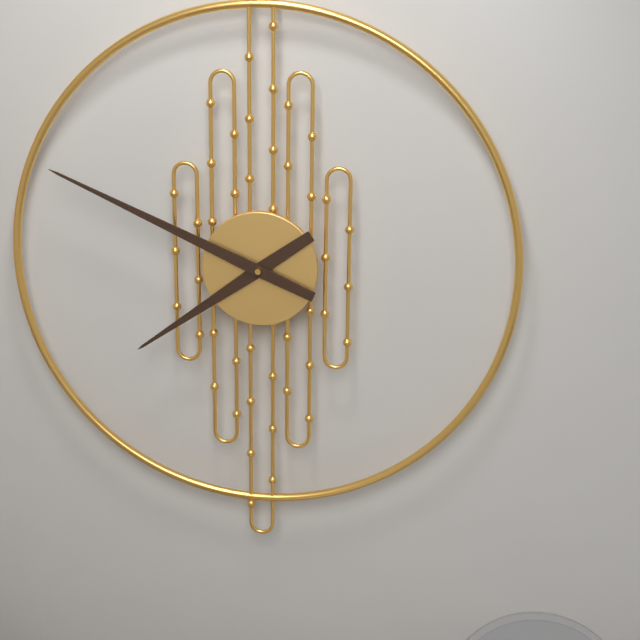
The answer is 7:49
